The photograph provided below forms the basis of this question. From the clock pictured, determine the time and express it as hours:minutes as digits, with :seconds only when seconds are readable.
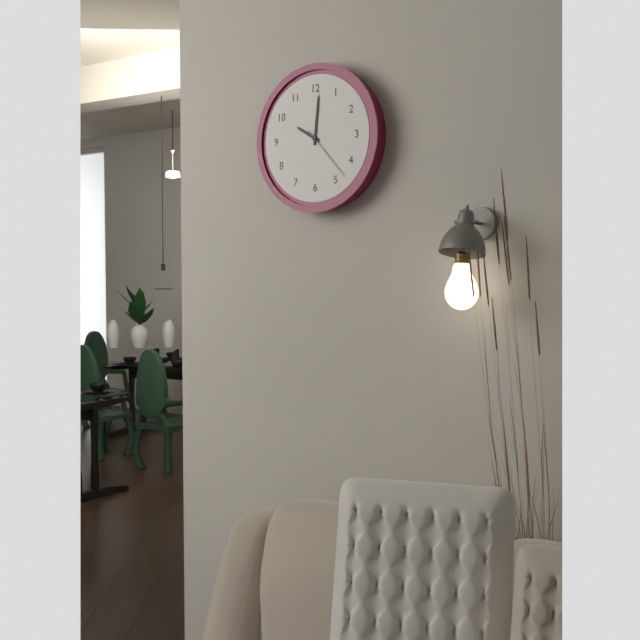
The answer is 10:01:23
